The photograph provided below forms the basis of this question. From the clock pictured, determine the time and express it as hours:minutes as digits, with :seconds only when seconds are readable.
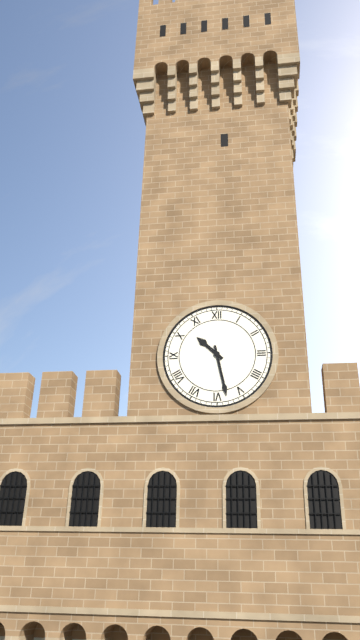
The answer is 10:28
